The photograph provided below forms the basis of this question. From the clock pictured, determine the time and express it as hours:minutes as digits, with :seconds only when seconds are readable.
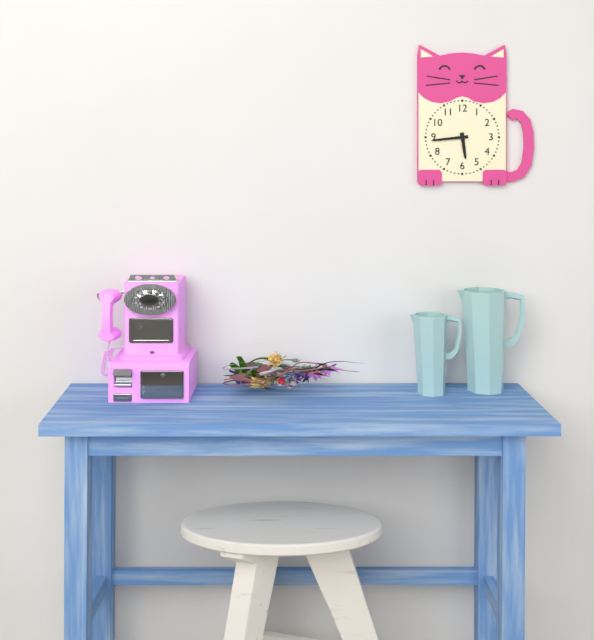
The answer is 5:44
